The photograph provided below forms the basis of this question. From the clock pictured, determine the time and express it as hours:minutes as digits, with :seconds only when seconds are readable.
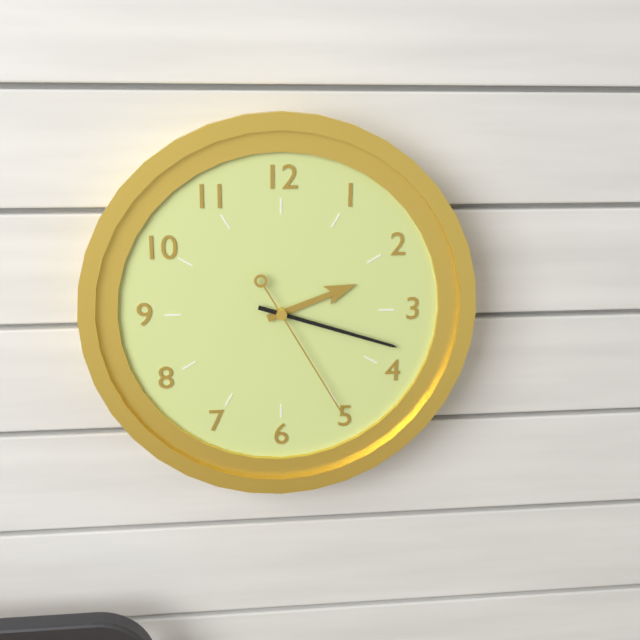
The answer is 2:18:25
